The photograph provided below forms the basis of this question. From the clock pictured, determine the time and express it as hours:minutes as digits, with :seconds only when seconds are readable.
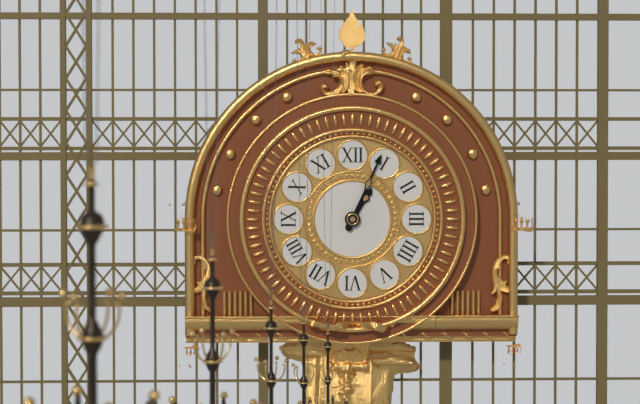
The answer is 1:04
